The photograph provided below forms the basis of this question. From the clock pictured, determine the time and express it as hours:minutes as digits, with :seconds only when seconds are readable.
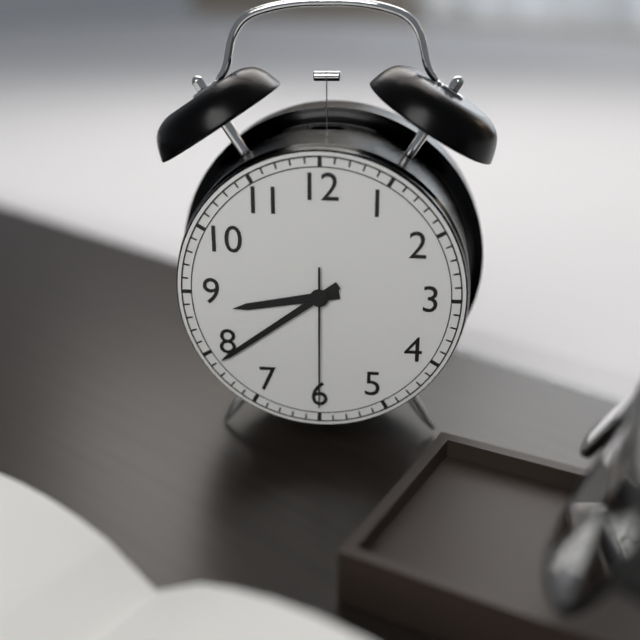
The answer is 8:39:30
